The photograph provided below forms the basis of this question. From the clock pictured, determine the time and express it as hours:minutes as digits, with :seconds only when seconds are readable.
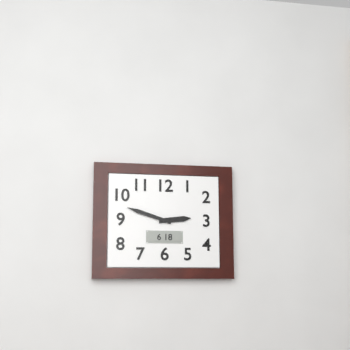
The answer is 2:48
